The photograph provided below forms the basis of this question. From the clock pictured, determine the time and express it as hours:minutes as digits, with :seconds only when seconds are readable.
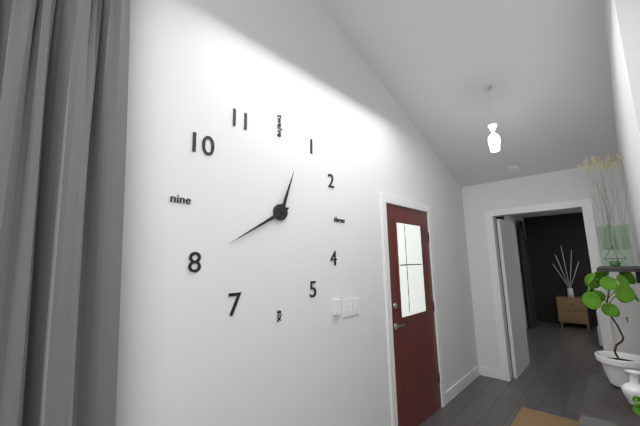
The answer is 12:40
